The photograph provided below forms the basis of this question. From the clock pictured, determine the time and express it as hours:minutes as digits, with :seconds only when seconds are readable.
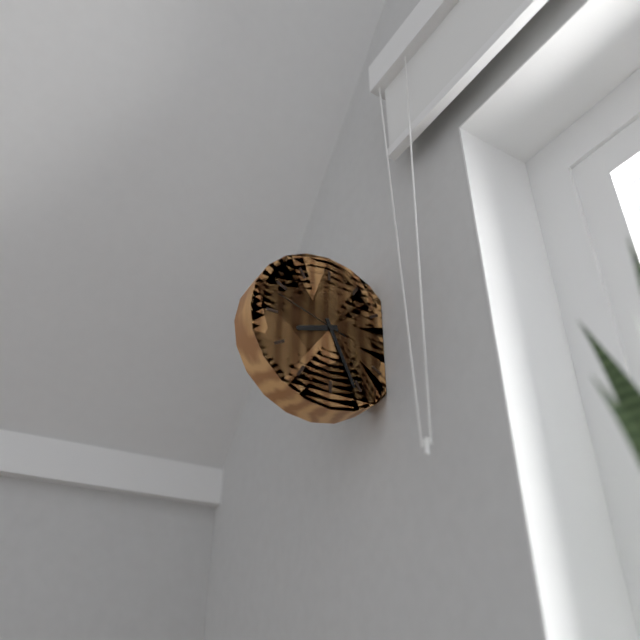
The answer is 8:26:48
